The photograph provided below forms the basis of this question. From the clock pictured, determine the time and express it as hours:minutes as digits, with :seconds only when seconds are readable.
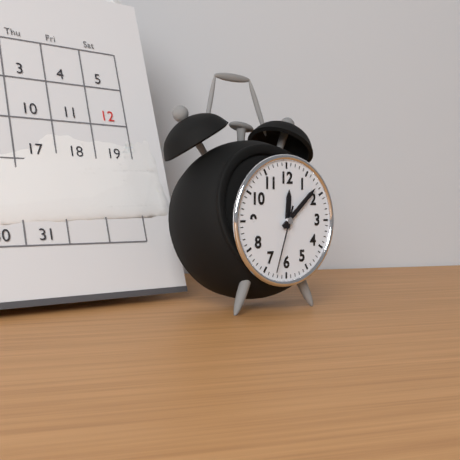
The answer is 12:08:33
